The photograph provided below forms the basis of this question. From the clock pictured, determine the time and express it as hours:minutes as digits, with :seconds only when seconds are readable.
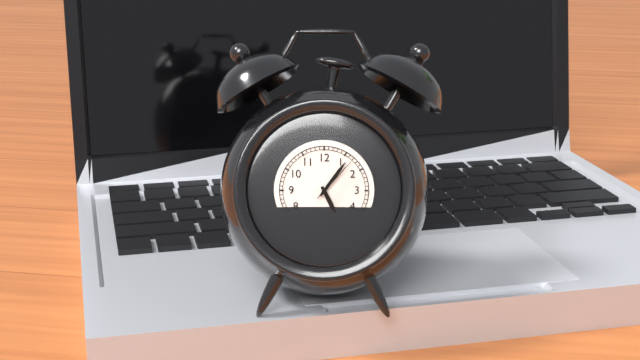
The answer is 5:06
